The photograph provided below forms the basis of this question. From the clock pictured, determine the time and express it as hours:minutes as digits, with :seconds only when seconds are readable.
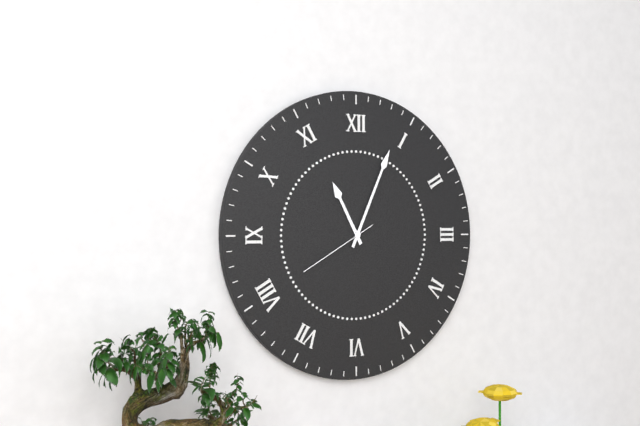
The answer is 11:04:40
